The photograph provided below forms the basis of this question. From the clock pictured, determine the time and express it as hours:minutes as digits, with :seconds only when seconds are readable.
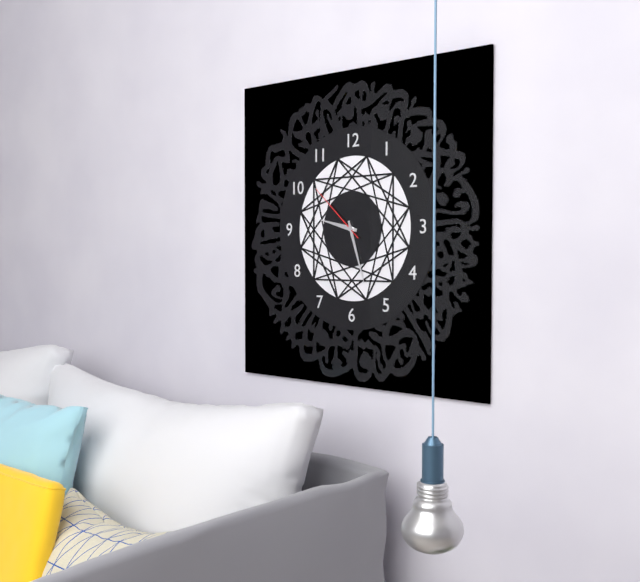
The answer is 9:27:52
